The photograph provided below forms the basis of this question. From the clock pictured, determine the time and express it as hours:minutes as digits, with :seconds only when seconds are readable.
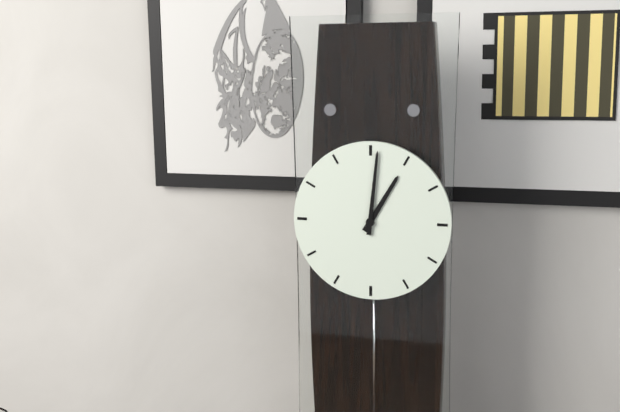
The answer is 1:01
